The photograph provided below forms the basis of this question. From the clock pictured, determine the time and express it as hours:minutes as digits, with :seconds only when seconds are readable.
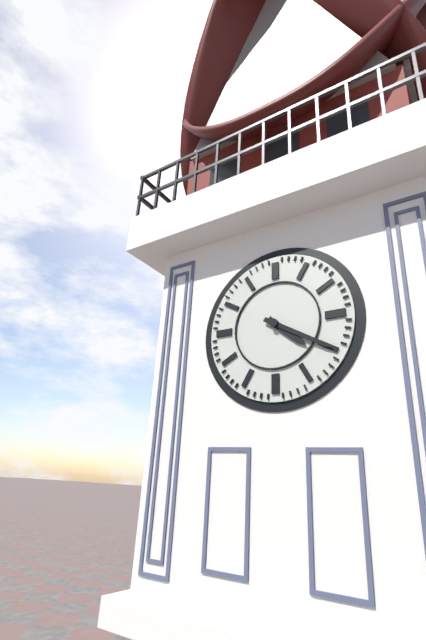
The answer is 4:20
